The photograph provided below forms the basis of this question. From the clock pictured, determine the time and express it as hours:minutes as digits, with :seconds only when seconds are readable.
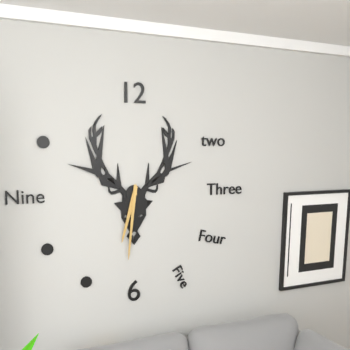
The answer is 6:31
